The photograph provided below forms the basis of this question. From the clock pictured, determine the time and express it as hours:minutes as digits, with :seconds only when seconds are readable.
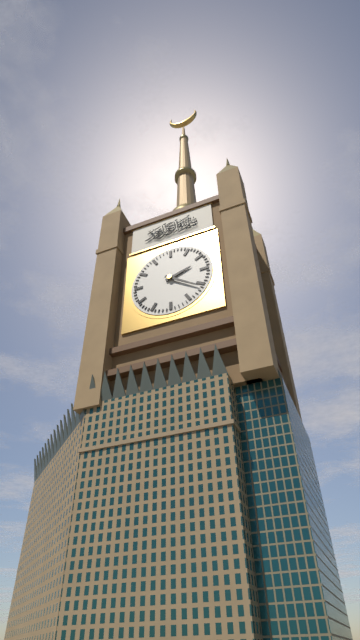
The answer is 2:21
